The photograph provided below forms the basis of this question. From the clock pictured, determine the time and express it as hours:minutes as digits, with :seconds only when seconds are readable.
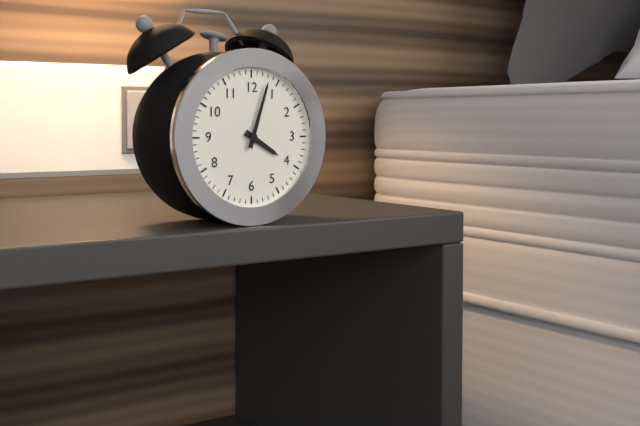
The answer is 4:03
